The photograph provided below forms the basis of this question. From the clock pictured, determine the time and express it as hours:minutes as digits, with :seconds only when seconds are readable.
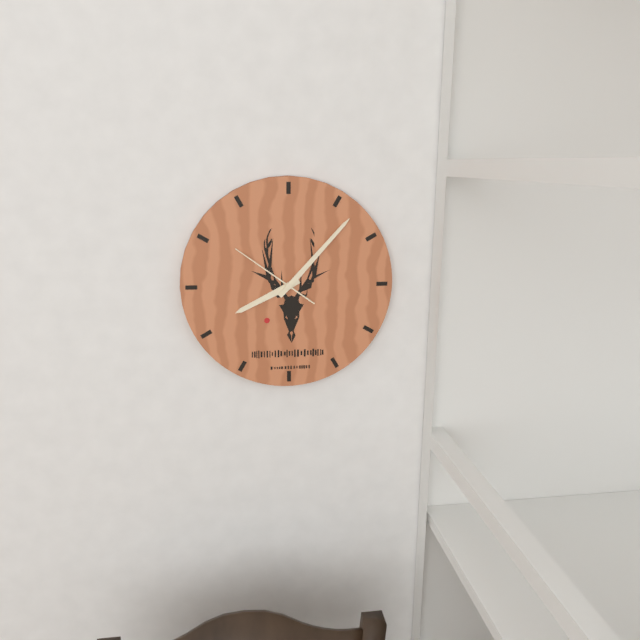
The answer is 8:07:51
